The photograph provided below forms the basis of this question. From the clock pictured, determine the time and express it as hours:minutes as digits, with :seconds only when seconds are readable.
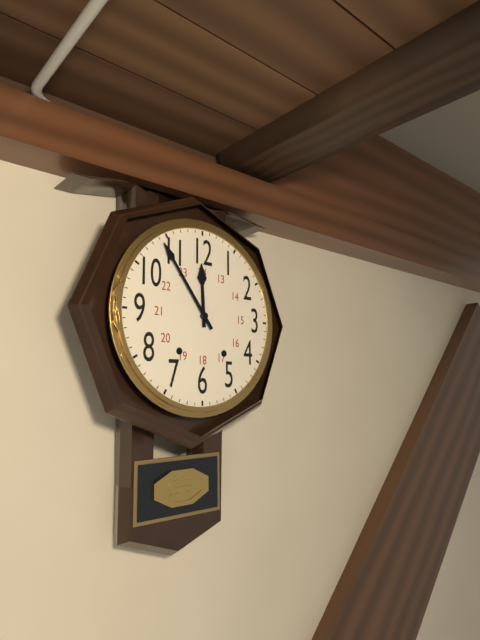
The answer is 11:54
